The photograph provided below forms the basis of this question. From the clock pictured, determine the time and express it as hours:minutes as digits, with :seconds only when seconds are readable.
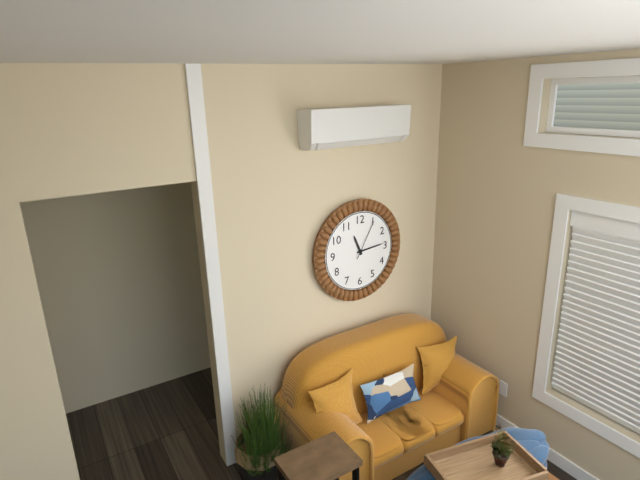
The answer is 11:14
